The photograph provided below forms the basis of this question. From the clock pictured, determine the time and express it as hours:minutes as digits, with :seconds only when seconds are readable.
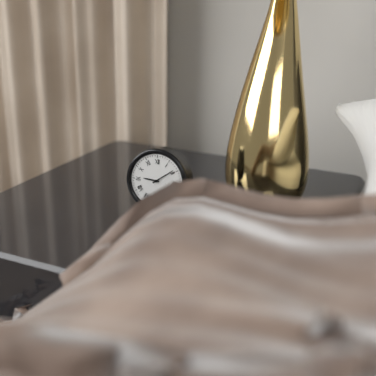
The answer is 9:09
